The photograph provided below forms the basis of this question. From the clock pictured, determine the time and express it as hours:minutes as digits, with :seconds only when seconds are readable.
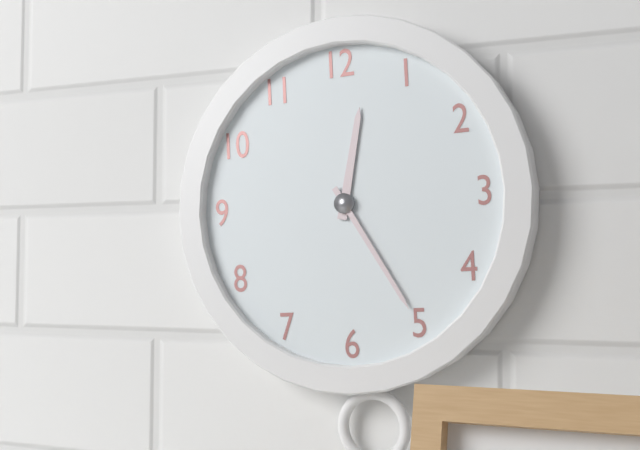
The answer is 12:25
